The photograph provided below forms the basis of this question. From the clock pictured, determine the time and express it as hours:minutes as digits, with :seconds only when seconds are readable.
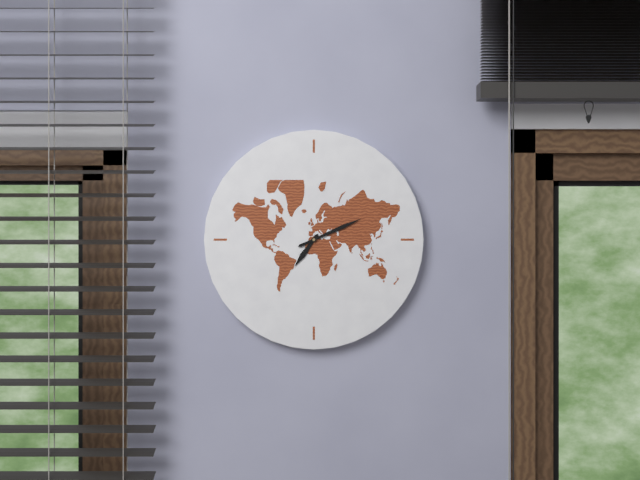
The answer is 7:11
